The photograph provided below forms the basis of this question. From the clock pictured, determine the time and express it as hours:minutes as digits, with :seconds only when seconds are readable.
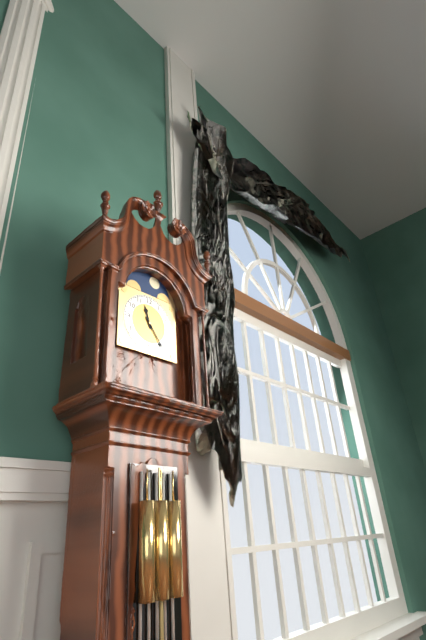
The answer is 11:24
